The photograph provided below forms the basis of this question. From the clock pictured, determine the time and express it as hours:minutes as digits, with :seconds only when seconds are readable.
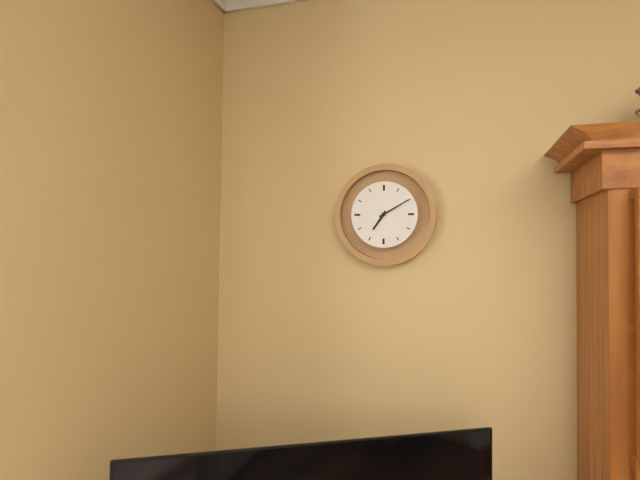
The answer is 7:10
